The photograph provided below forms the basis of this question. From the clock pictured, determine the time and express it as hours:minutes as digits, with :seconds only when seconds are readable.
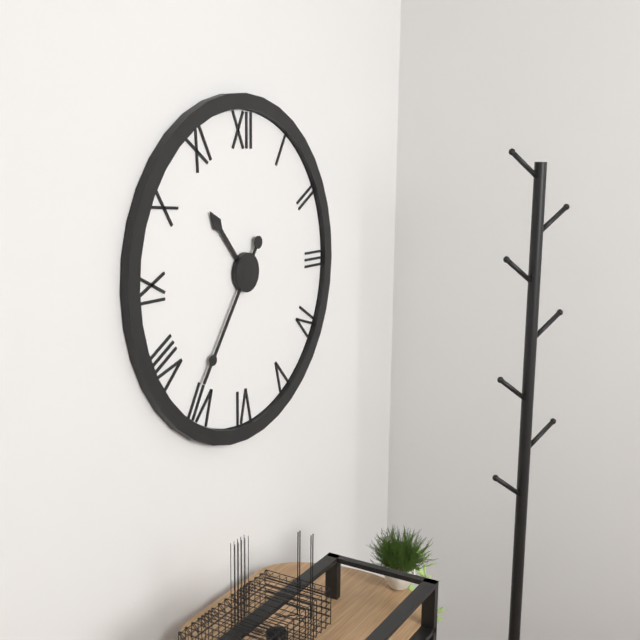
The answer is 10:36
